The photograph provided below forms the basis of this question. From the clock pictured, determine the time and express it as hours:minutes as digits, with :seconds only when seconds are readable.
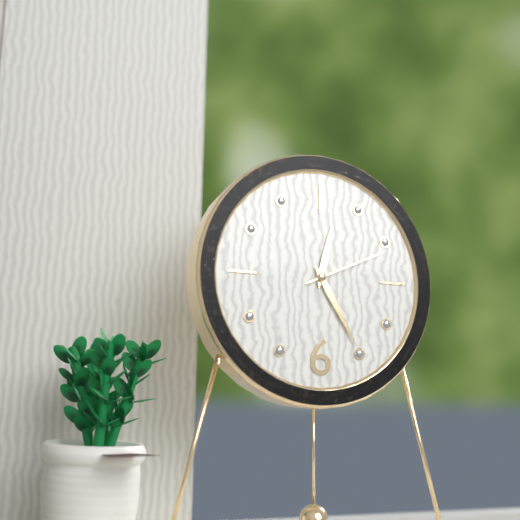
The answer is 12:25:11
